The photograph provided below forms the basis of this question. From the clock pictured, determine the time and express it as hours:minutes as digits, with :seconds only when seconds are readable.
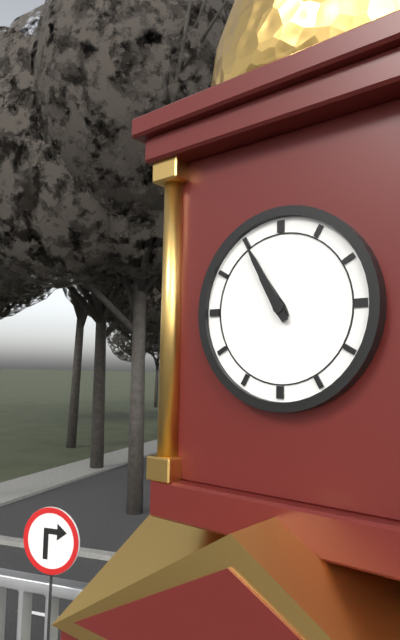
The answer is 10:55
